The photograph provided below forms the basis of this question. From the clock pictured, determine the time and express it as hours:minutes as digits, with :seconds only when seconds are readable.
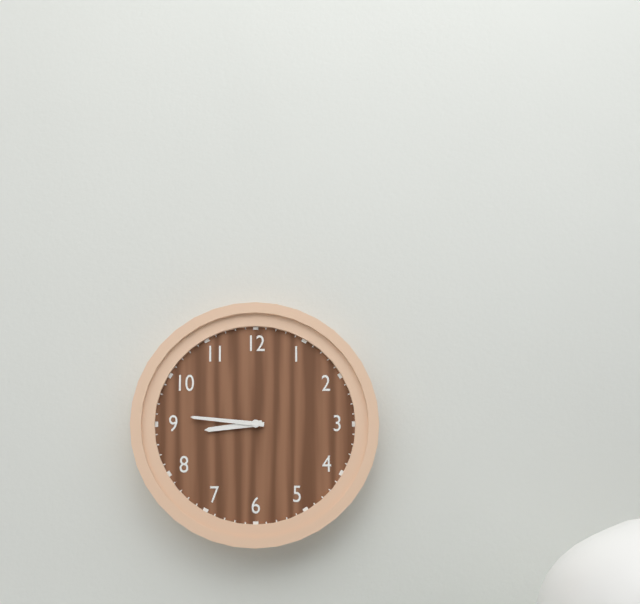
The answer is 8:46
